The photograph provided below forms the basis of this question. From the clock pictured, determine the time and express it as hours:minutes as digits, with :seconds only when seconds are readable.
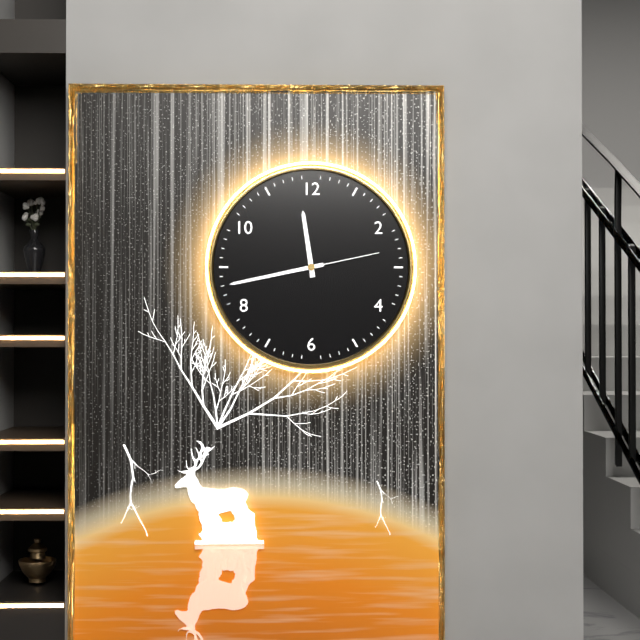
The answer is 11:43:13
